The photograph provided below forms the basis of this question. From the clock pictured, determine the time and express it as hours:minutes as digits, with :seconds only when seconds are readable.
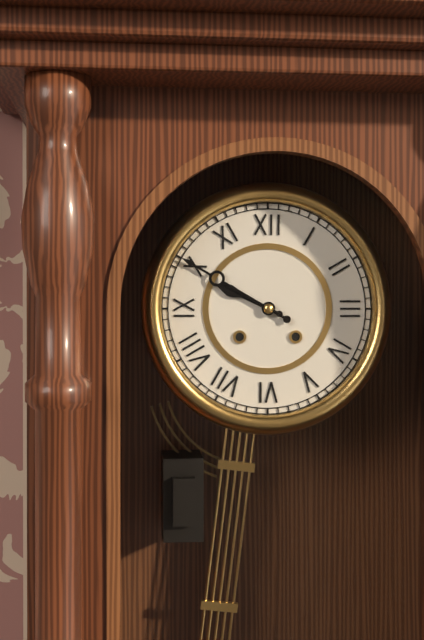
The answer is 9:50
